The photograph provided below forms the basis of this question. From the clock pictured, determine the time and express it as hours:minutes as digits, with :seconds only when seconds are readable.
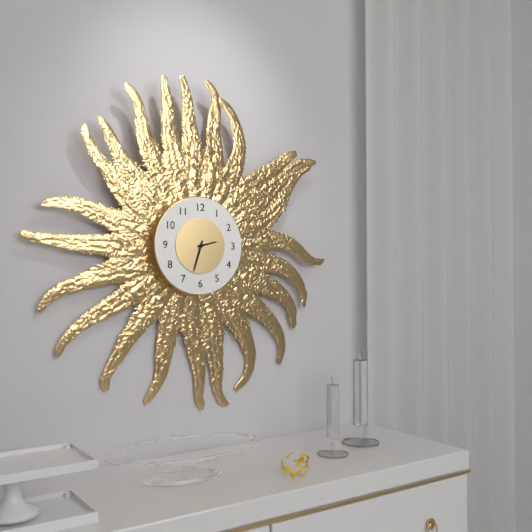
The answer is 2:33
